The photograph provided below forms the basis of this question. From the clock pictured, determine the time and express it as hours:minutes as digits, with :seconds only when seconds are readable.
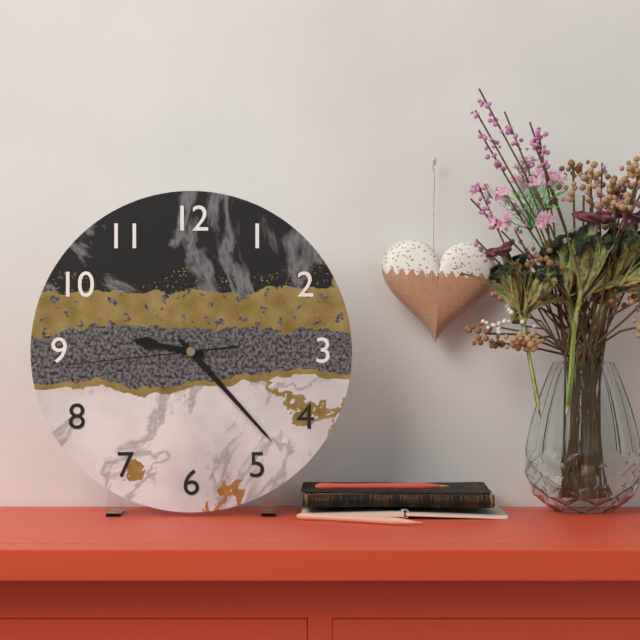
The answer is 9:23:44
